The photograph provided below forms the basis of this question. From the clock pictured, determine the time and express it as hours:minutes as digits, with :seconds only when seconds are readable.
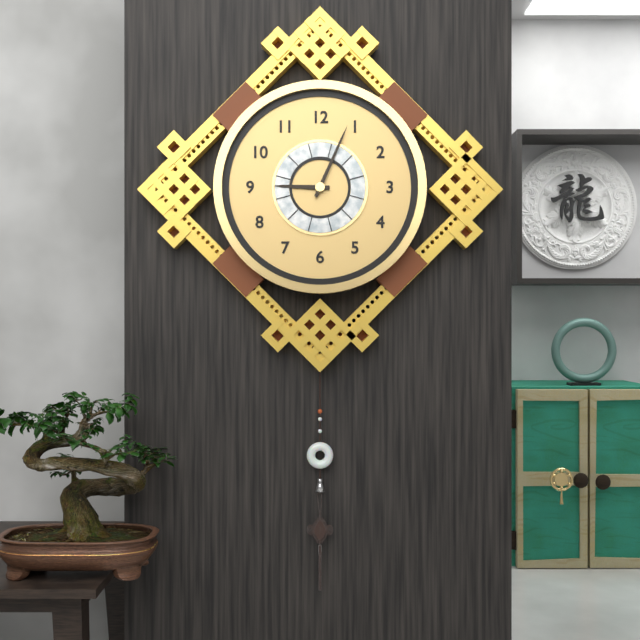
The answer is 9:04
